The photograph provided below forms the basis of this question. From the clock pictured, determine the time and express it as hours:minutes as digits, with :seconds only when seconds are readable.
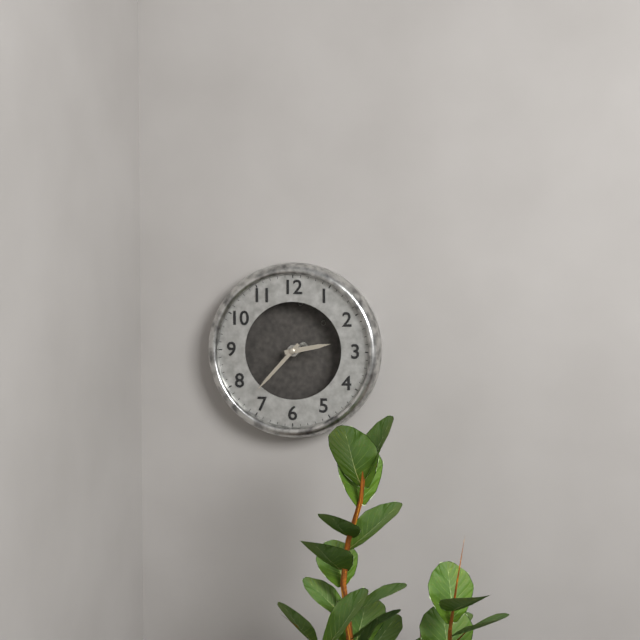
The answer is 2:37
